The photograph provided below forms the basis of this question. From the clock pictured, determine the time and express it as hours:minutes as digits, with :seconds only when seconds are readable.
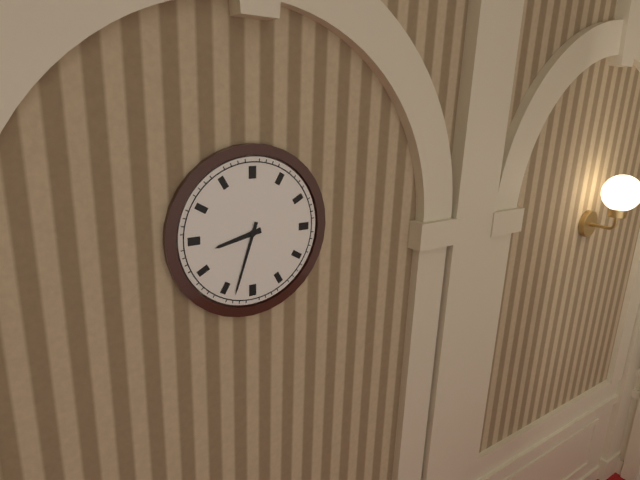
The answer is 8:33
